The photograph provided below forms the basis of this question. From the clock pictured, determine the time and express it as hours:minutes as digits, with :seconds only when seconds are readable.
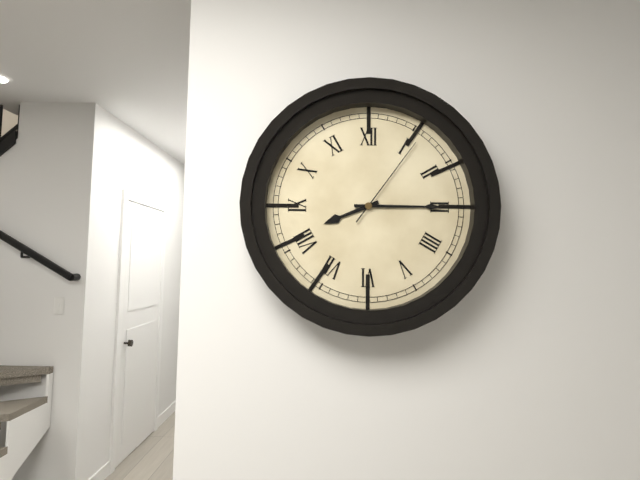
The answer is 8:15:06
